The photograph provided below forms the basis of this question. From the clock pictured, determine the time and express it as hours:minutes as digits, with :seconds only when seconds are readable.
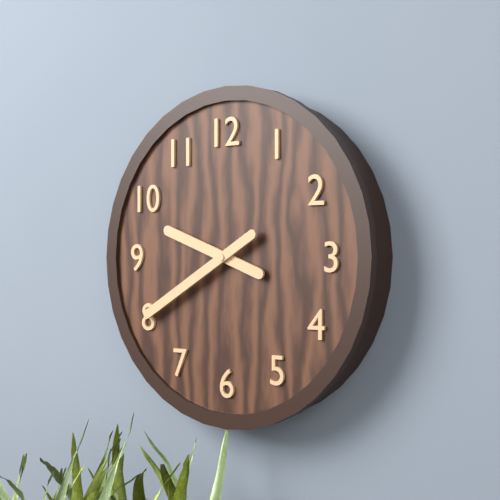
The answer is 9:40
